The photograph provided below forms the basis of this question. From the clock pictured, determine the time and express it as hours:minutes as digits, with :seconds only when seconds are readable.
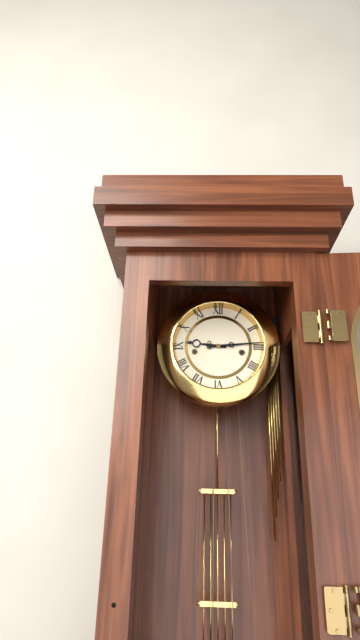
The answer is 9:14
